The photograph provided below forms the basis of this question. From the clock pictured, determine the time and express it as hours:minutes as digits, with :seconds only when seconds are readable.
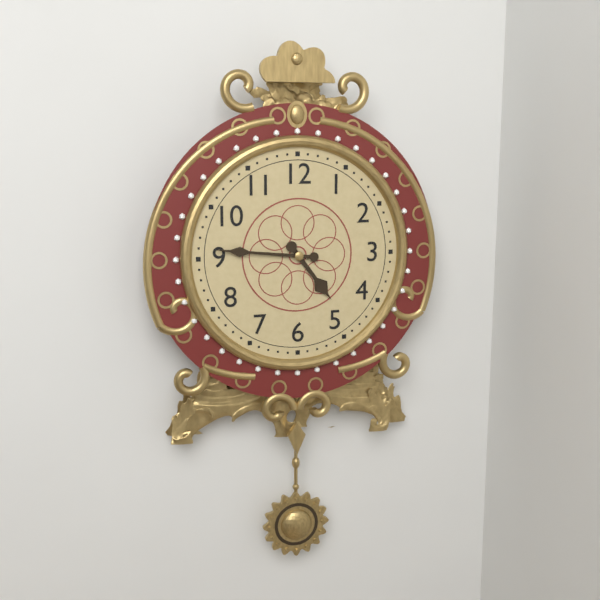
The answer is 4:46
